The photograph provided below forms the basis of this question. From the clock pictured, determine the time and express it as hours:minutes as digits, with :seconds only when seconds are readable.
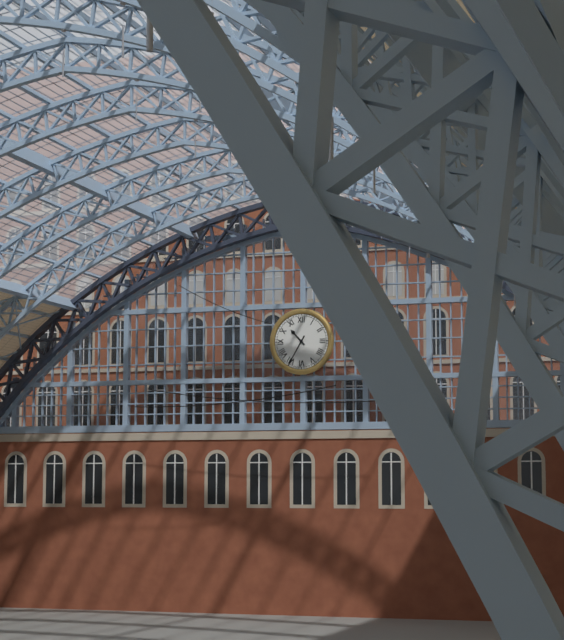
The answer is 10:35
